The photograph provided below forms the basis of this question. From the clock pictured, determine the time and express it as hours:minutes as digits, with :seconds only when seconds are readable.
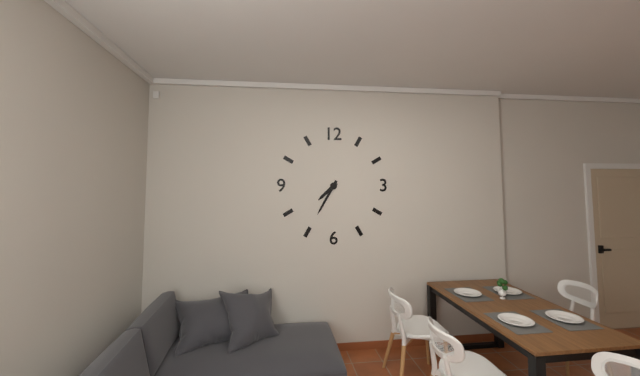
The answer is 7:35
